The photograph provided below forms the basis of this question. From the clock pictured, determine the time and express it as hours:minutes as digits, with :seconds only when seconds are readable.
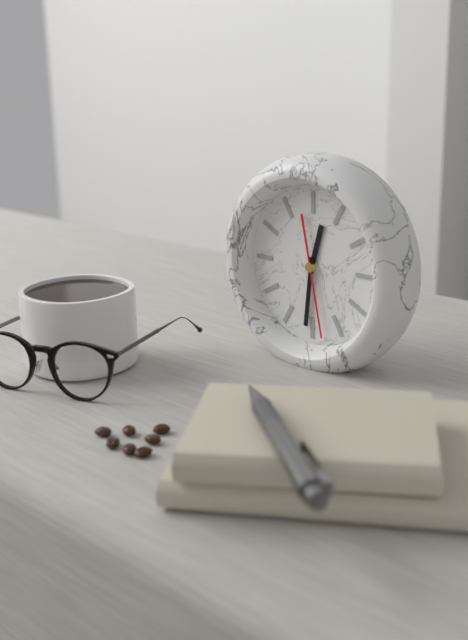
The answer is 12:31:28
